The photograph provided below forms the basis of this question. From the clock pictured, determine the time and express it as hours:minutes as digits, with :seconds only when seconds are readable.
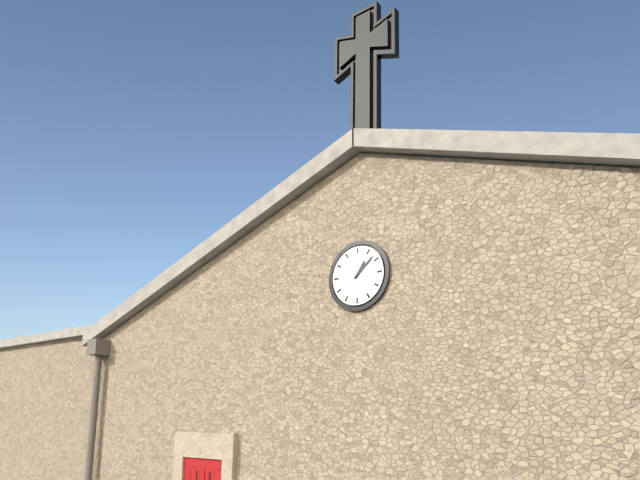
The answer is 1:08
